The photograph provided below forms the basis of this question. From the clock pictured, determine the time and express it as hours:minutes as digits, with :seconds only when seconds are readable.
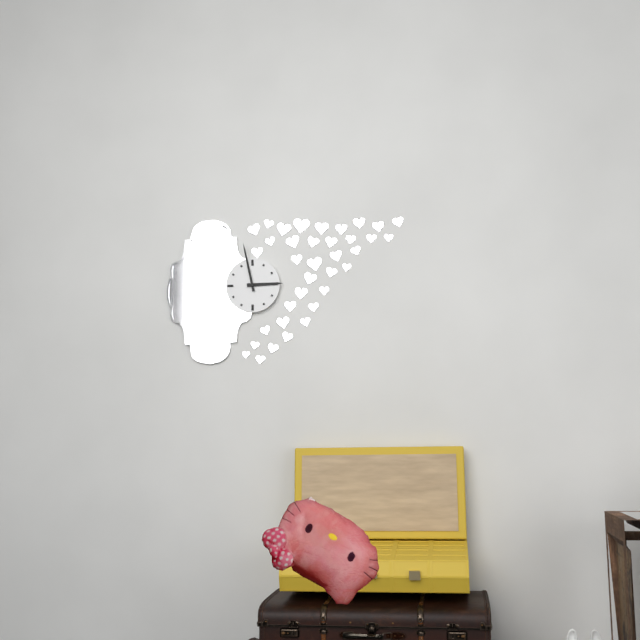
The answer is 2:58
